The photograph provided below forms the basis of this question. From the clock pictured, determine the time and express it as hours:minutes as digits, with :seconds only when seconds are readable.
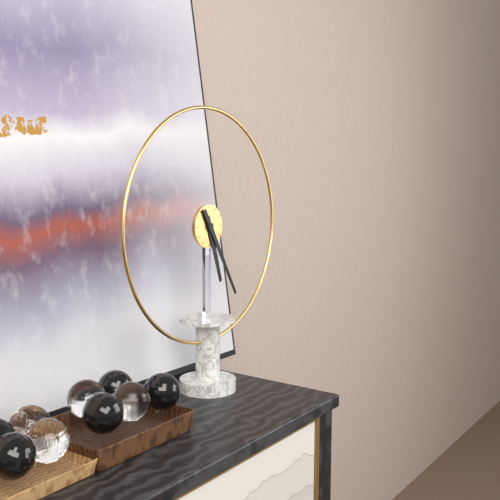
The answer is 5:25
